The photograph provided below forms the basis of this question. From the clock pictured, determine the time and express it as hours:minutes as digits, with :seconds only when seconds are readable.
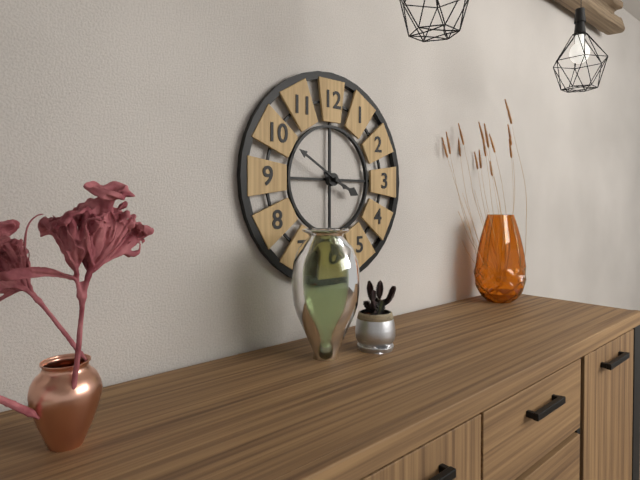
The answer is 3:50
